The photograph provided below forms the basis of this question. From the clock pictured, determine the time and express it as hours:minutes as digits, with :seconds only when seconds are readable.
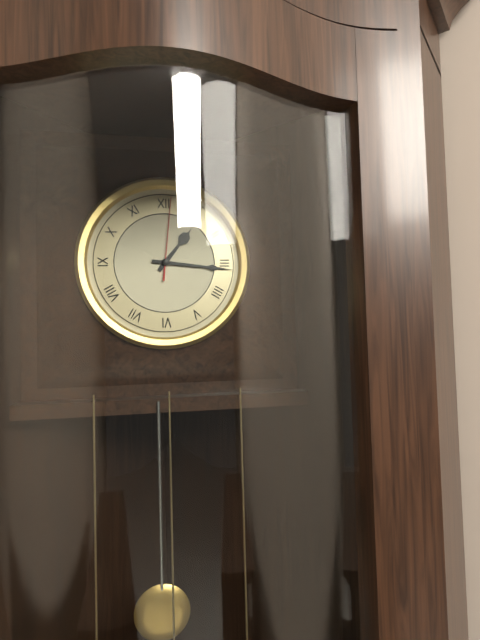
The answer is 1:16:01
